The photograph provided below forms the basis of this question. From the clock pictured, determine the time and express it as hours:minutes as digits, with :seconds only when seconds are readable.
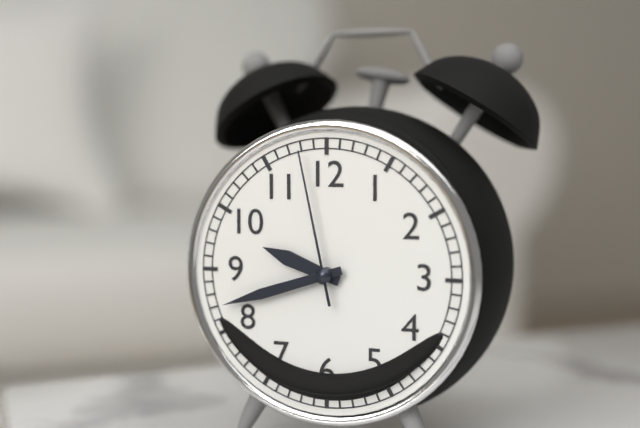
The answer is 9:42:58
